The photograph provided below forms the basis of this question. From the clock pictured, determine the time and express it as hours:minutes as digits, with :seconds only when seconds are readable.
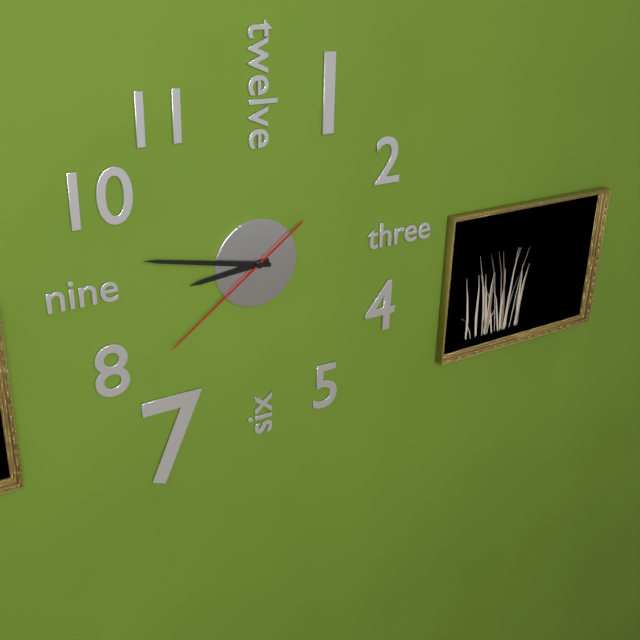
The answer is 8:47:39
